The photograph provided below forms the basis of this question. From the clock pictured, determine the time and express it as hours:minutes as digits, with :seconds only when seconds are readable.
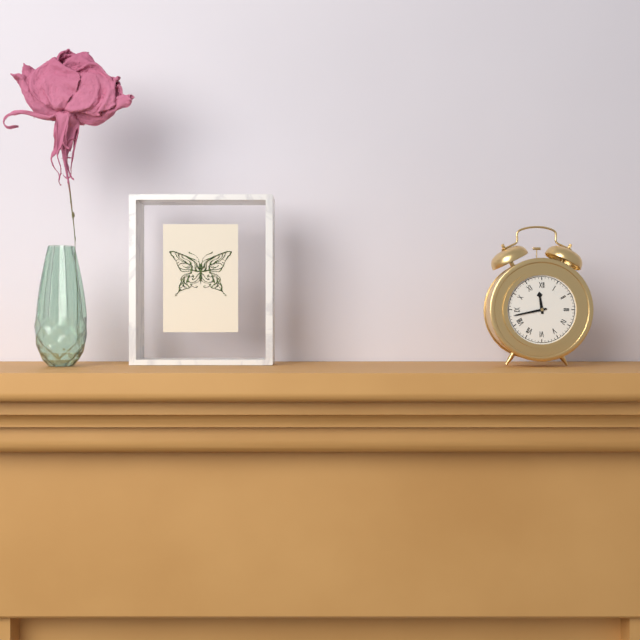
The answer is 11:43
